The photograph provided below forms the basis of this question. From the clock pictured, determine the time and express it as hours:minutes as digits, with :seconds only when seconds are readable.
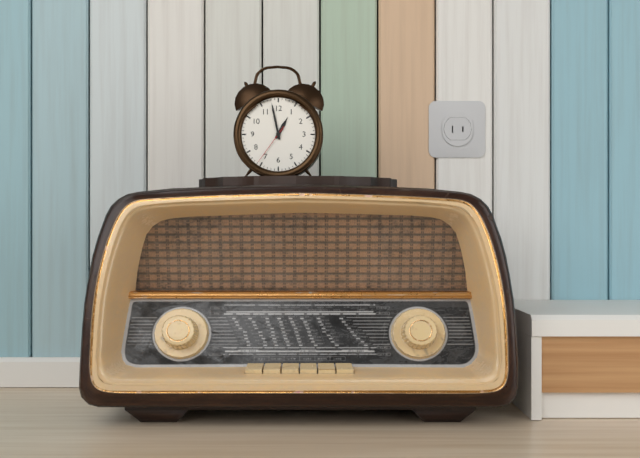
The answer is 12:58
